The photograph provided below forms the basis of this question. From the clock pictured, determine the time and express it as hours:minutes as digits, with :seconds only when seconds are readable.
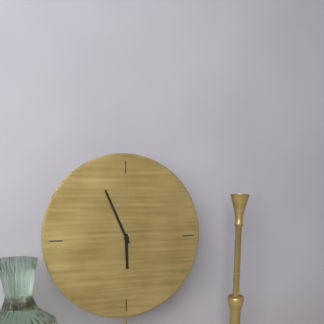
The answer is 5:56
